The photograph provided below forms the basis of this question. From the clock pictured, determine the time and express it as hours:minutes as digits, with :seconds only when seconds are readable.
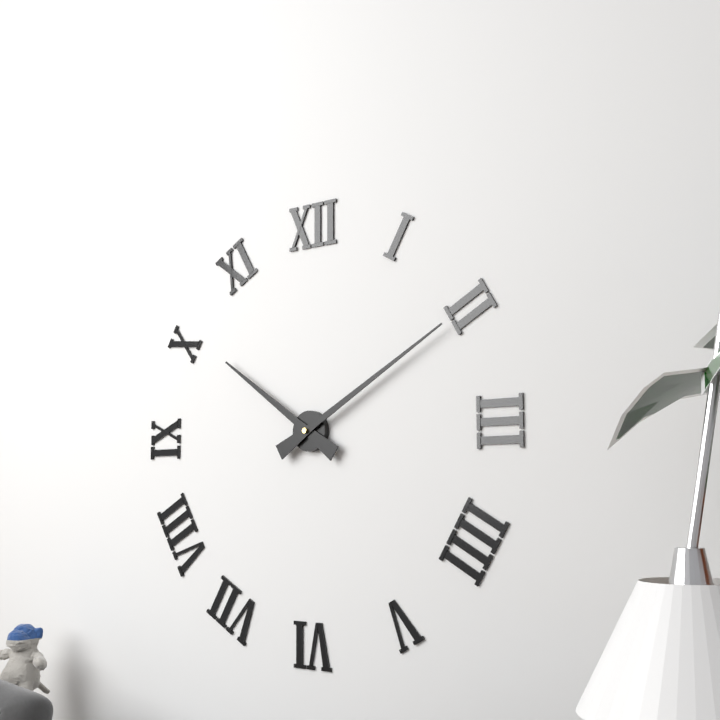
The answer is 10:10
